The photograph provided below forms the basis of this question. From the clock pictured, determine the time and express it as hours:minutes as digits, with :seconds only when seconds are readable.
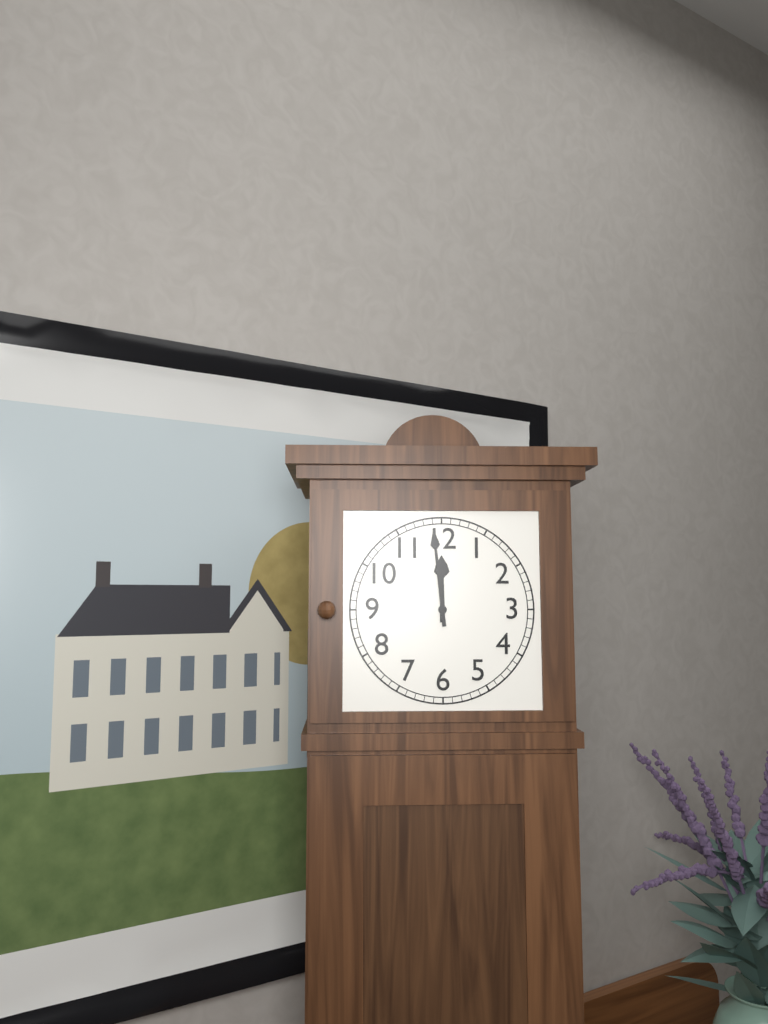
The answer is 11:59
